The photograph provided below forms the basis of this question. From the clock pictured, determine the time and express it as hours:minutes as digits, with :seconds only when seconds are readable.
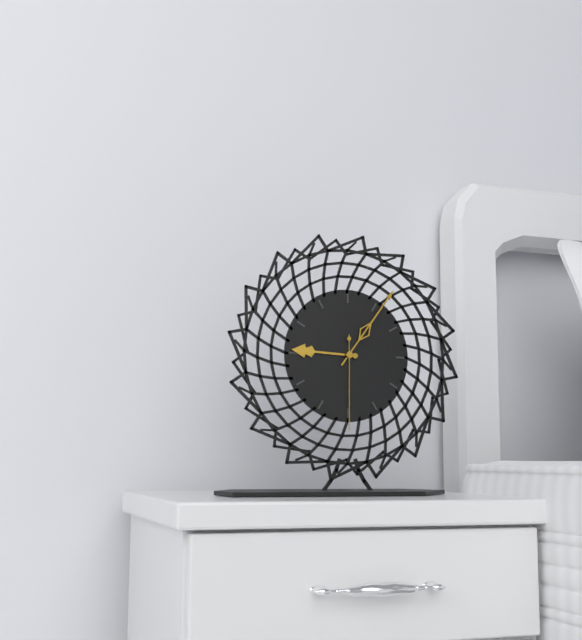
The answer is 9:06:30
